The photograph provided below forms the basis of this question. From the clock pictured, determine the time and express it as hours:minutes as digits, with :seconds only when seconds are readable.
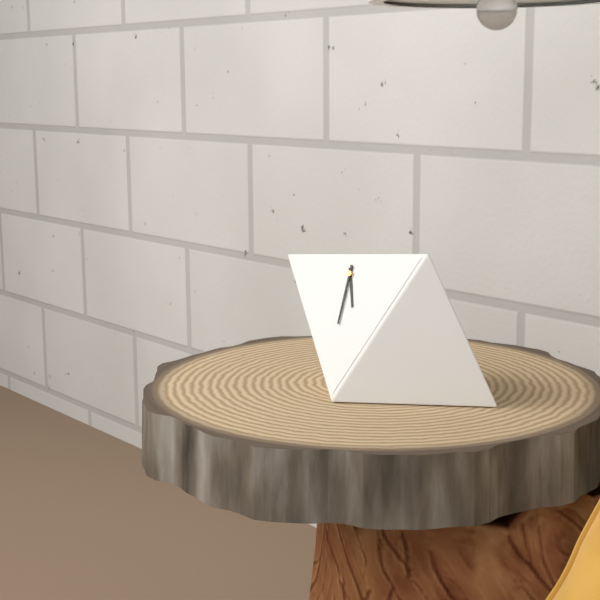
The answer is 5:31
